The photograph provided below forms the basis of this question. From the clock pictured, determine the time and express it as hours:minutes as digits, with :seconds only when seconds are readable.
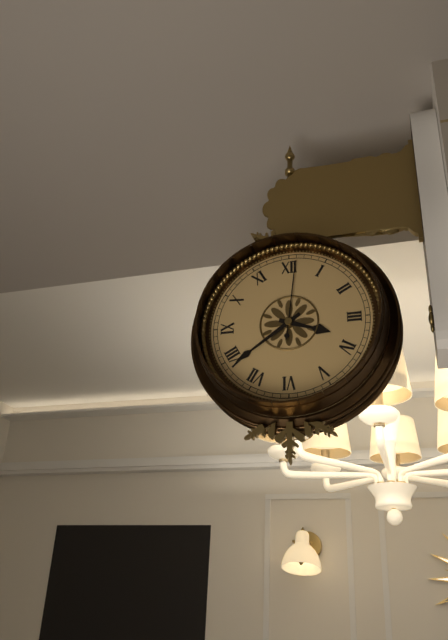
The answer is 3:39:01
